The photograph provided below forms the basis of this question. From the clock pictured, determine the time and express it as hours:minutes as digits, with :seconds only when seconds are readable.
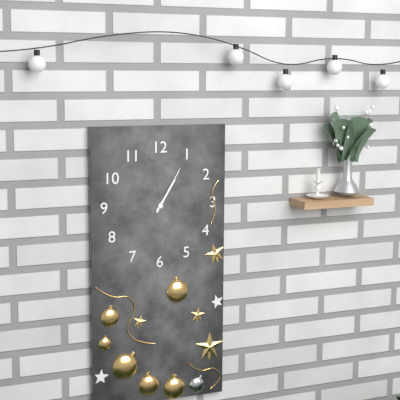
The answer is 1:05
